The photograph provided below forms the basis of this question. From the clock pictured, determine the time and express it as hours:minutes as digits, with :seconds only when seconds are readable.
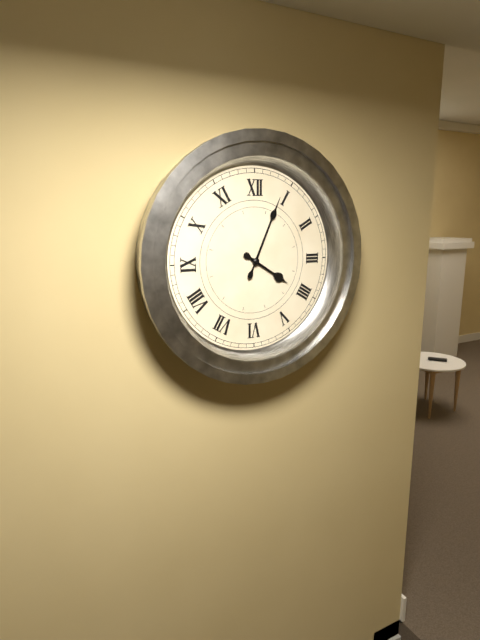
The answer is 4:04
